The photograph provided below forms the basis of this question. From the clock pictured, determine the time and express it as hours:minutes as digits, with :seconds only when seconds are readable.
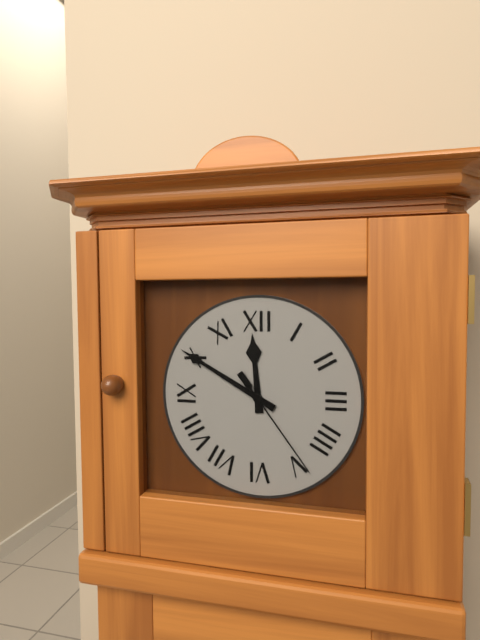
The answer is 11:50:24
